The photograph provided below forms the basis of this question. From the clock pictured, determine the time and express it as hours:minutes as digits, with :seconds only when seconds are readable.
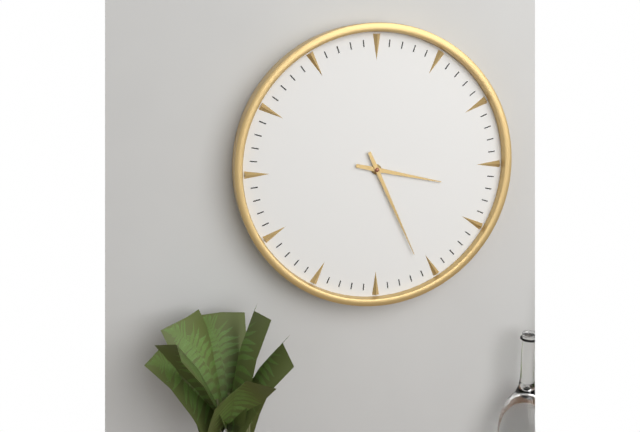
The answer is 3:26
